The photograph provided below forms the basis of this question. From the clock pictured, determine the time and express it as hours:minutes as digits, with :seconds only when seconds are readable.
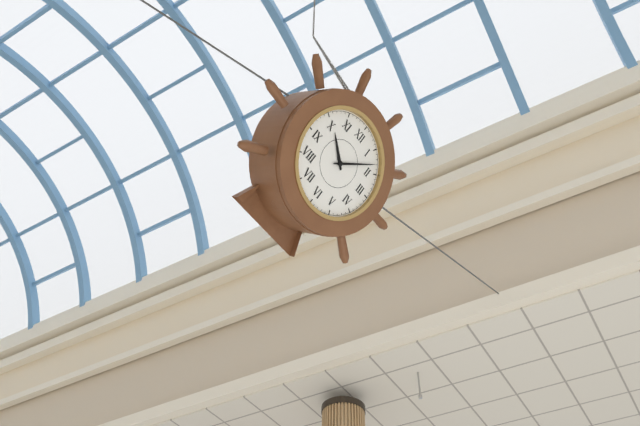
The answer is 10:08
